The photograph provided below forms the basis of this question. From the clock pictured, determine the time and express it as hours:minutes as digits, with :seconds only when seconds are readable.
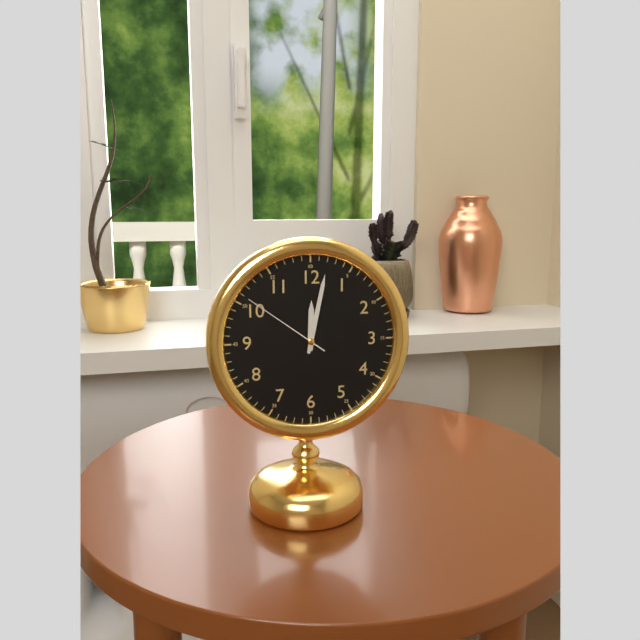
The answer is 12:02:51
